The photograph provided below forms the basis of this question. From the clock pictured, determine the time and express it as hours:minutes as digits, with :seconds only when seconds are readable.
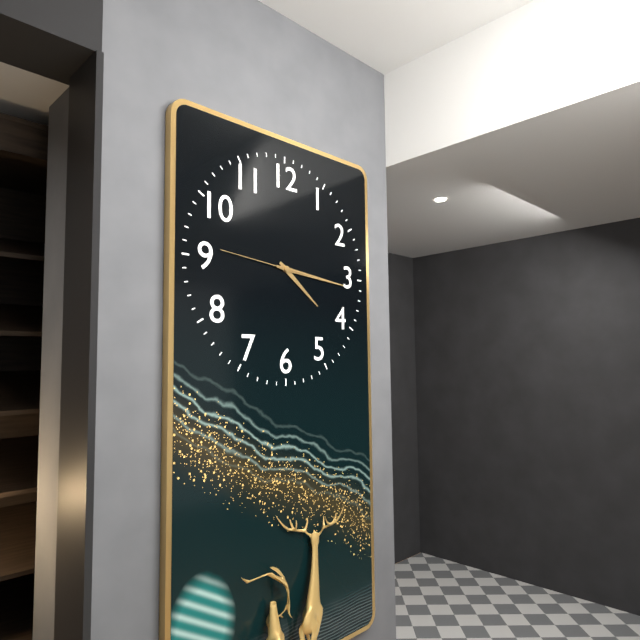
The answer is 4:16:46
